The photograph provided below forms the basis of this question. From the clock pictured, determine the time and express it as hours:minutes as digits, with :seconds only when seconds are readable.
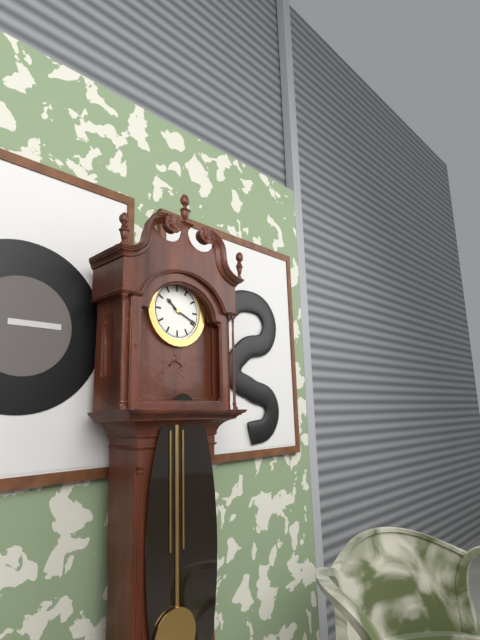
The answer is 10:19
